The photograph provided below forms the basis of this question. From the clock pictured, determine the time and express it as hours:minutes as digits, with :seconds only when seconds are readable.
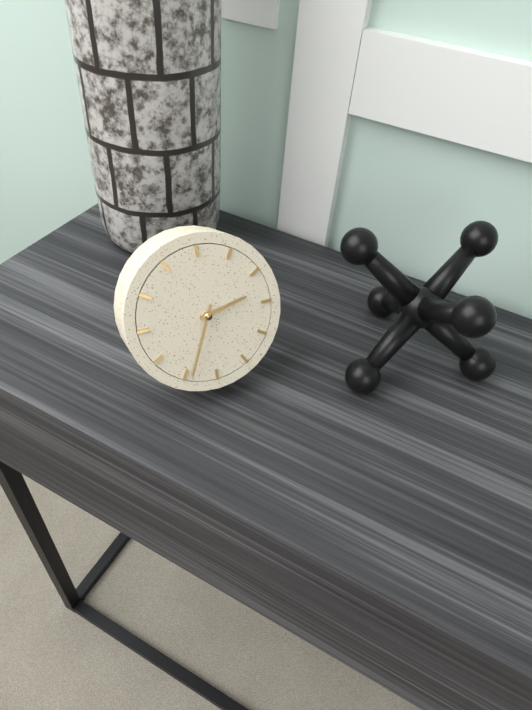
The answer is 2:34
